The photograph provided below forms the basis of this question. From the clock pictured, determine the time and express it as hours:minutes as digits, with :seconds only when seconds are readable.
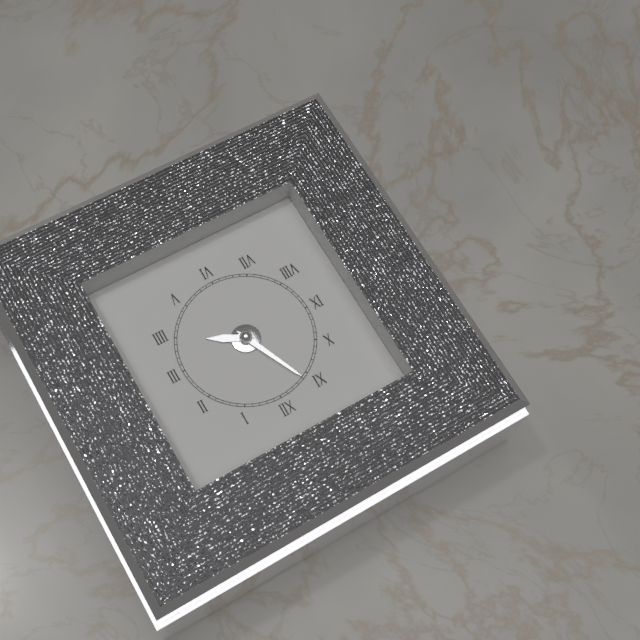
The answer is 3:56
